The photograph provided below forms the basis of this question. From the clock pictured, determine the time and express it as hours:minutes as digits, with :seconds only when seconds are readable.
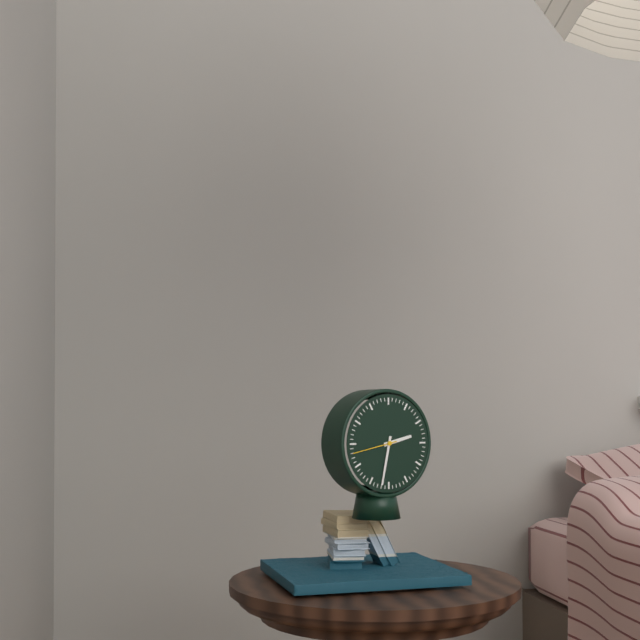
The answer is 2:32
